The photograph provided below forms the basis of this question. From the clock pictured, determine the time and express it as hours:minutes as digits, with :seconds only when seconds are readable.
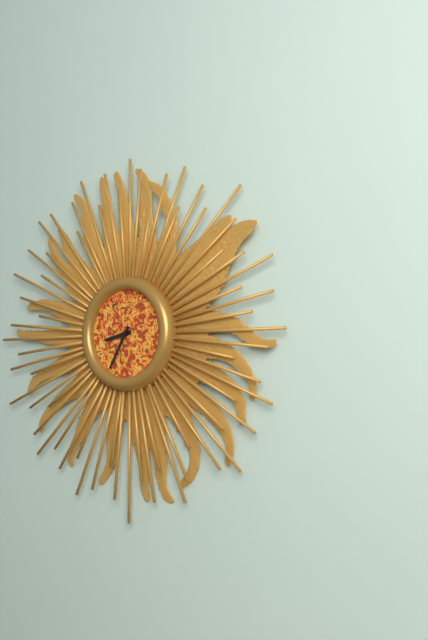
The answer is 8:35
